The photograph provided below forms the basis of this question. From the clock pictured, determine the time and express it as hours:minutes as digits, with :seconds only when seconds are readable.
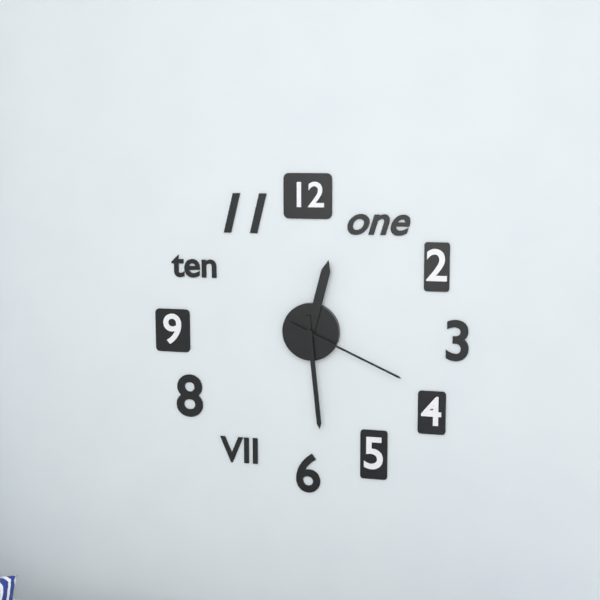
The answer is 12:29:19
